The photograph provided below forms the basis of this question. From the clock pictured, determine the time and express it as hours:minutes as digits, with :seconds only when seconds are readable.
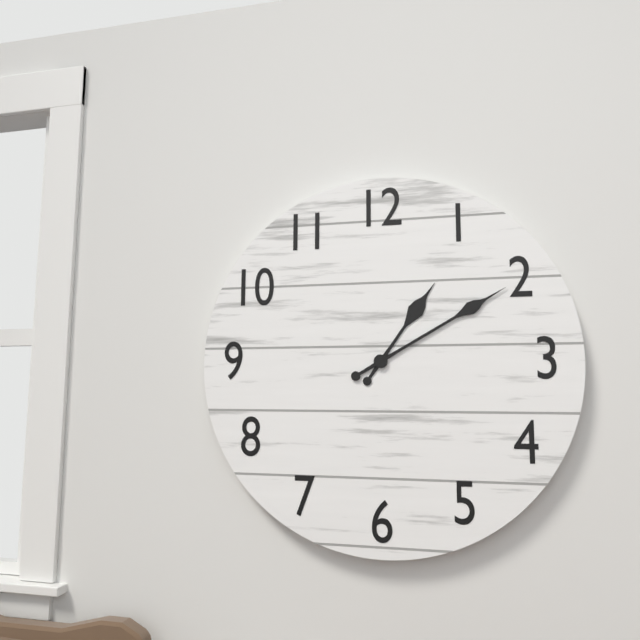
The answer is 1:10
